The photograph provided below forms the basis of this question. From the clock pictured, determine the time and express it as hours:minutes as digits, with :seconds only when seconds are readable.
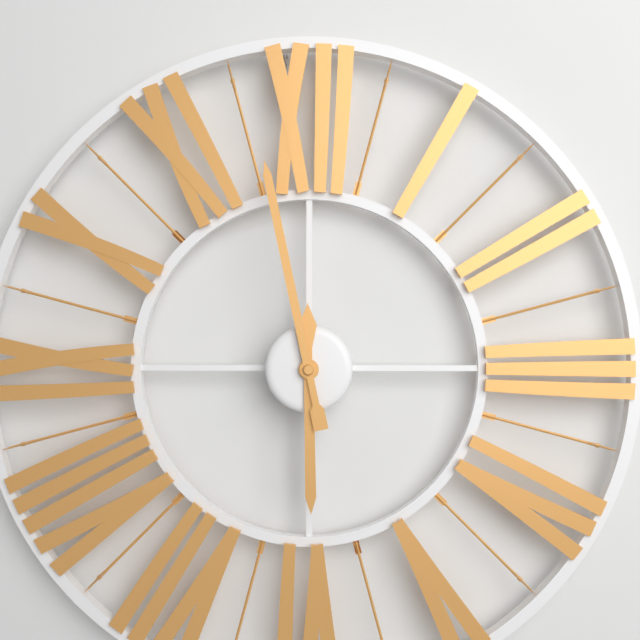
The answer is 5:58
